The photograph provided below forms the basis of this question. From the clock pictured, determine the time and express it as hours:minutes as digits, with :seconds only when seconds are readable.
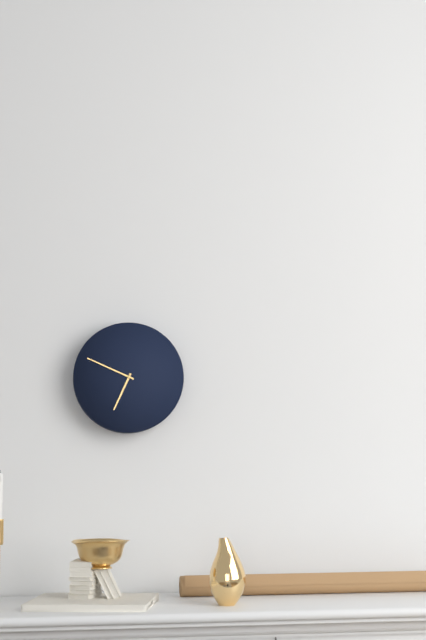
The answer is 6:49
